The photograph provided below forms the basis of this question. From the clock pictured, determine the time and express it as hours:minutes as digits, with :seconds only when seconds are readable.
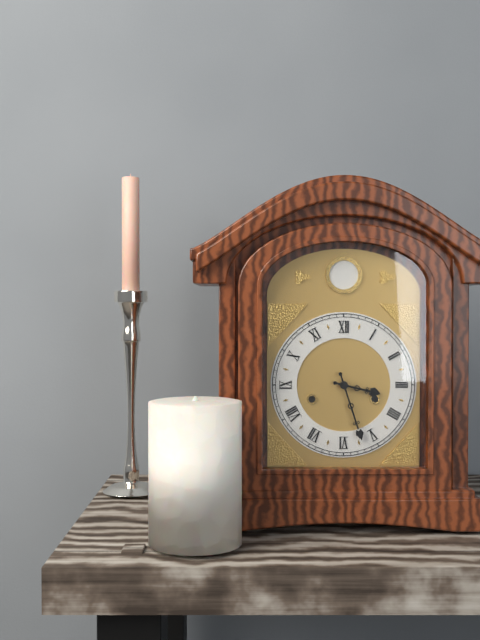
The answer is 3:27
